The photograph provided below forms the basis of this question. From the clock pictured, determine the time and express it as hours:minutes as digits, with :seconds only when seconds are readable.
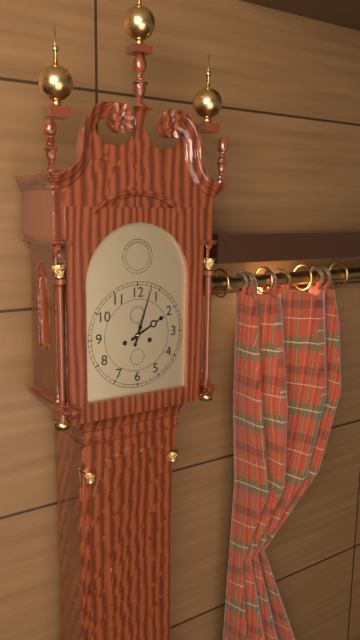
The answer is 2:03
